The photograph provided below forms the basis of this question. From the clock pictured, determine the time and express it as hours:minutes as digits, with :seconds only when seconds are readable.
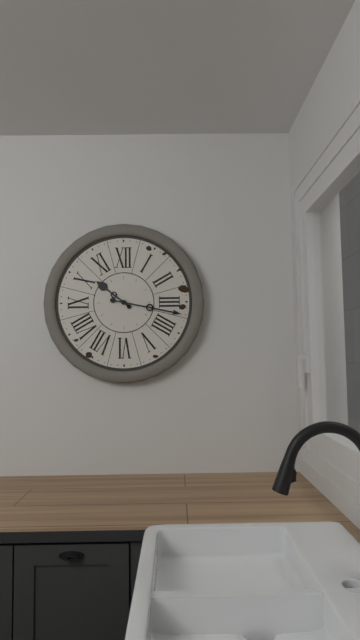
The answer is 10:17
